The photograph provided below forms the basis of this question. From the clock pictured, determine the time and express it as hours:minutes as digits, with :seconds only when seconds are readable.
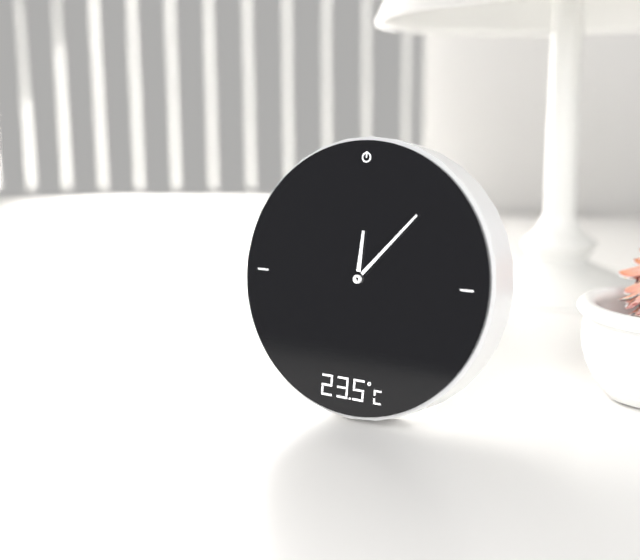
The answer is 12:07
